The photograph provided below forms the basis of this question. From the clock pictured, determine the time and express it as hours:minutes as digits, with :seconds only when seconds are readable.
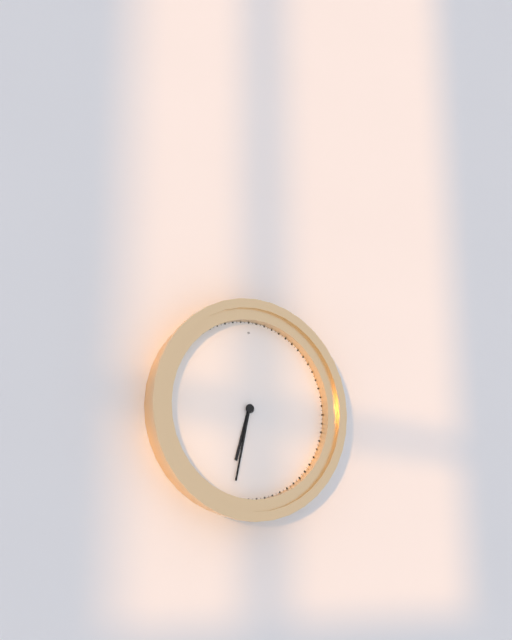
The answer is 6:32
